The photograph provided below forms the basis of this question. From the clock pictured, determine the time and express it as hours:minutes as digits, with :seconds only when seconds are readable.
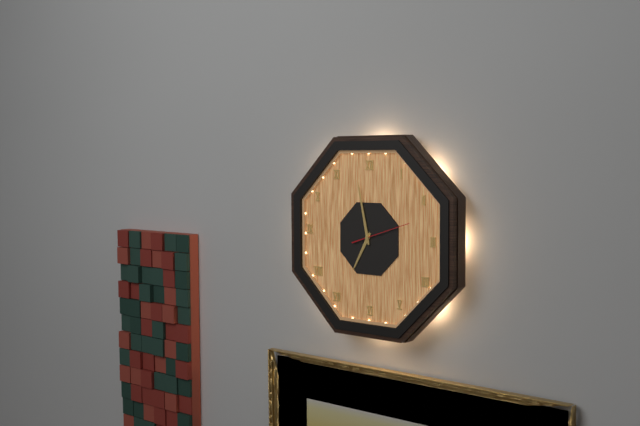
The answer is 6:58
